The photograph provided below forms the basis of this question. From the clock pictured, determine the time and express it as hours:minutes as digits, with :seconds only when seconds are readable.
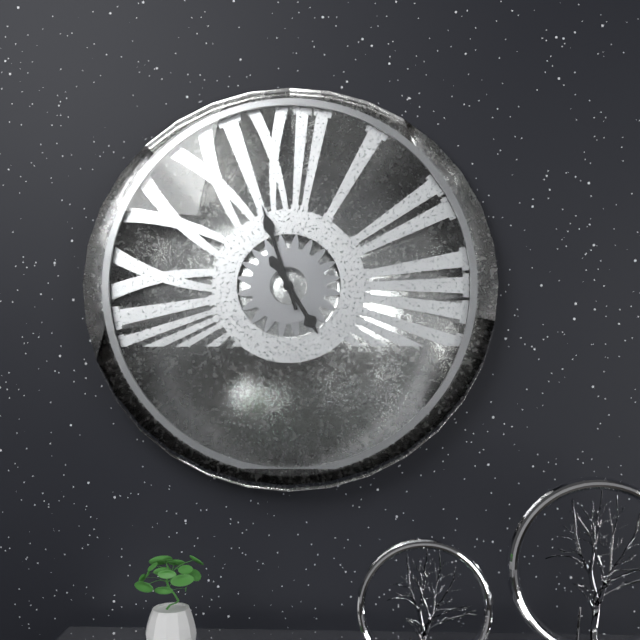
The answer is 4:57
